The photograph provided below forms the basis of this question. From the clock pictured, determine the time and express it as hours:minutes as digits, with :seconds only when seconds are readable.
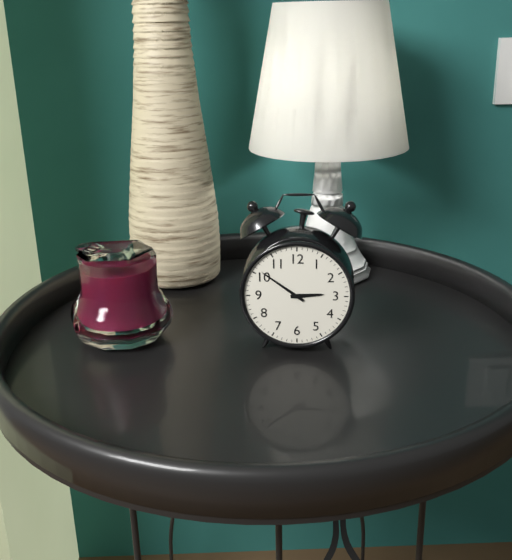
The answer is 2:51
